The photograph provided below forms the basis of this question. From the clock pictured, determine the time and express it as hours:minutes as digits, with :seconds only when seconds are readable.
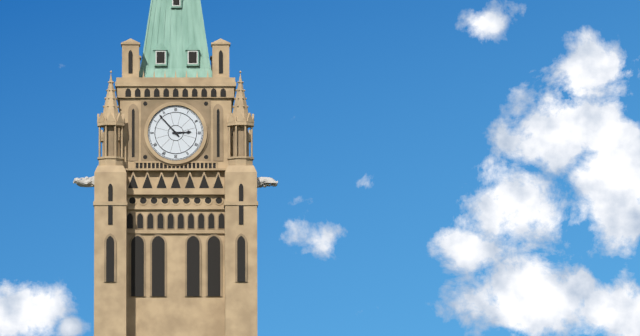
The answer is 2:53
